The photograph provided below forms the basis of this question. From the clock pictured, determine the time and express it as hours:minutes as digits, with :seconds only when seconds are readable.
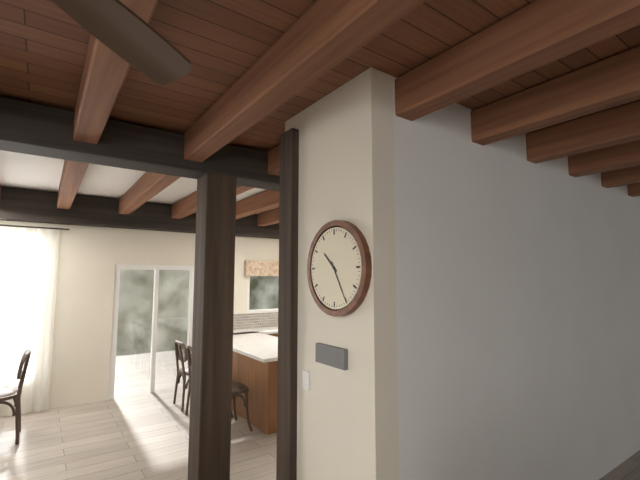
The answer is 10:25
